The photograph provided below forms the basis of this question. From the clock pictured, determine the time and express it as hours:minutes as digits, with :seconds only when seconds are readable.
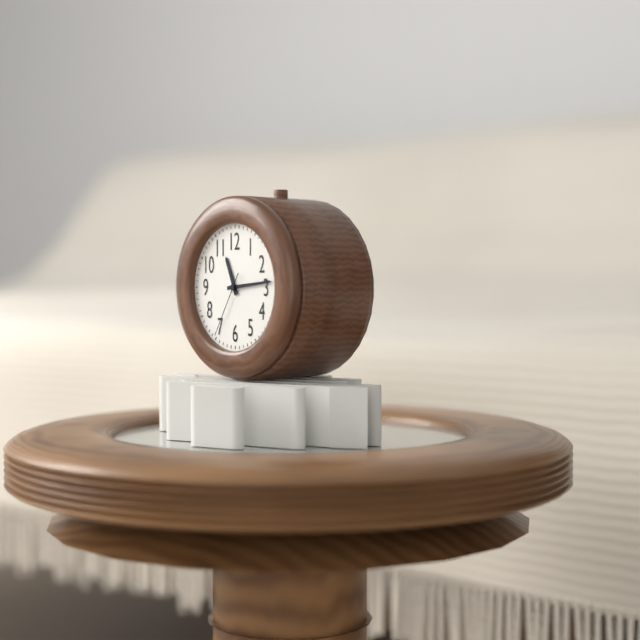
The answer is 11:14:35
